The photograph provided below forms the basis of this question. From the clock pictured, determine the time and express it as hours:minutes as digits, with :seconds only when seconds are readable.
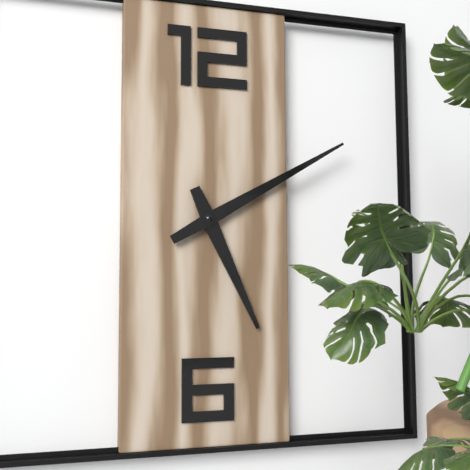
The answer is 5:10
